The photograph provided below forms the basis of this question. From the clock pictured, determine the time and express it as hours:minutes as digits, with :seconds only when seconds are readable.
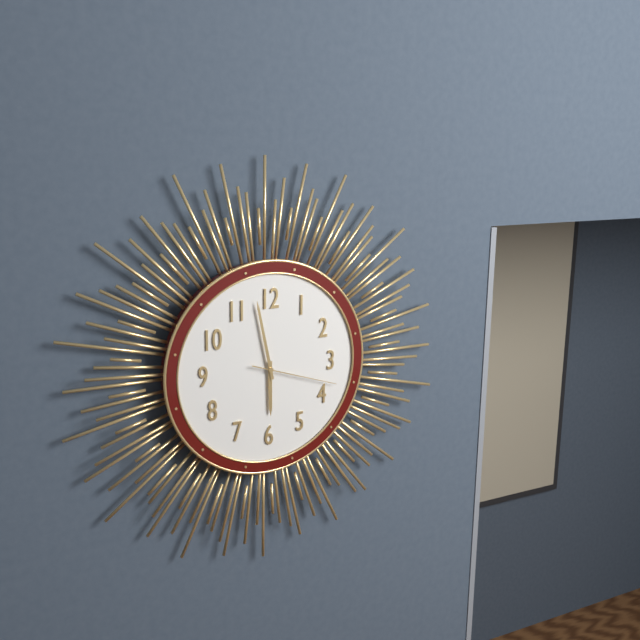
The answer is 5:58:18
